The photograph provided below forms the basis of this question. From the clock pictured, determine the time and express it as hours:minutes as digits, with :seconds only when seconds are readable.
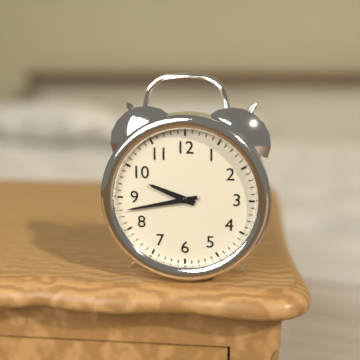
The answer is 9:43
